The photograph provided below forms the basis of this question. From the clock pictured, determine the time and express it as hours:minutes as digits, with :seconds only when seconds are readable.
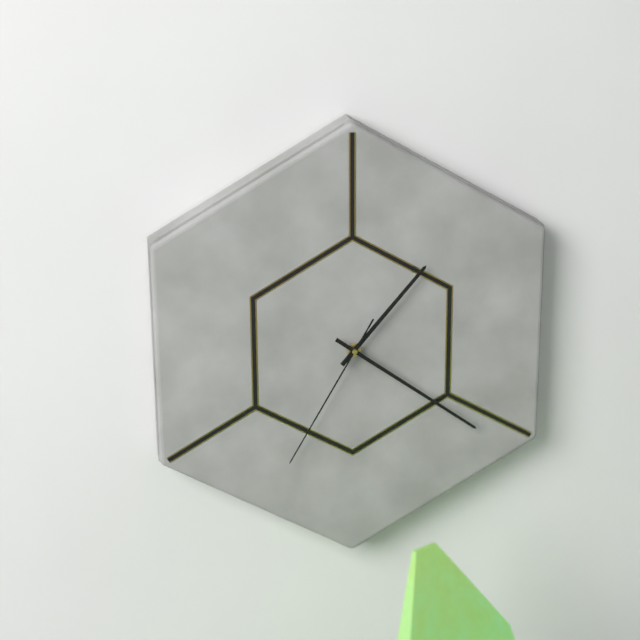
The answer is 1:21:35
